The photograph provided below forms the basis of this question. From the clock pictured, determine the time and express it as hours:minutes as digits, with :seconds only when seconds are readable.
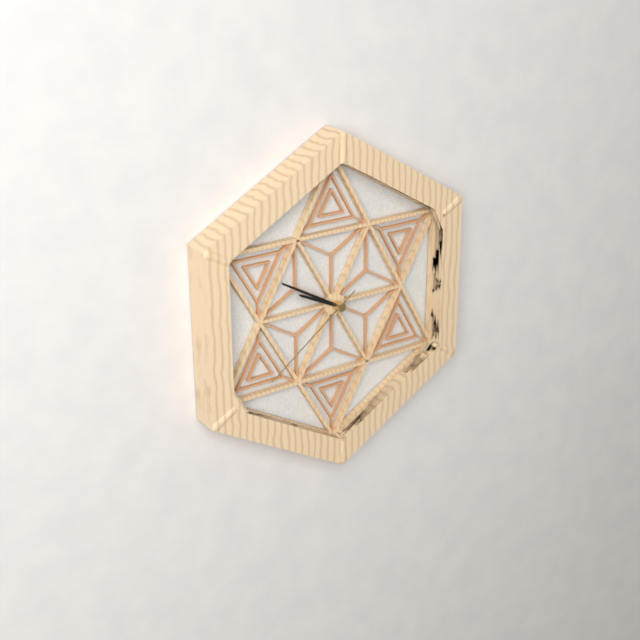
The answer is 9:50:39
